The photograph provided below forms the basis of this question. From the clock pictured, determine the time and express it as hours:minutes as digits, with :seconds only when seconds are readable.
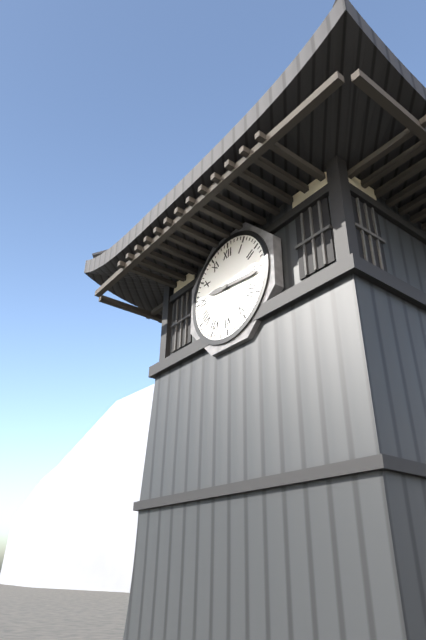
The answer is 9:16
